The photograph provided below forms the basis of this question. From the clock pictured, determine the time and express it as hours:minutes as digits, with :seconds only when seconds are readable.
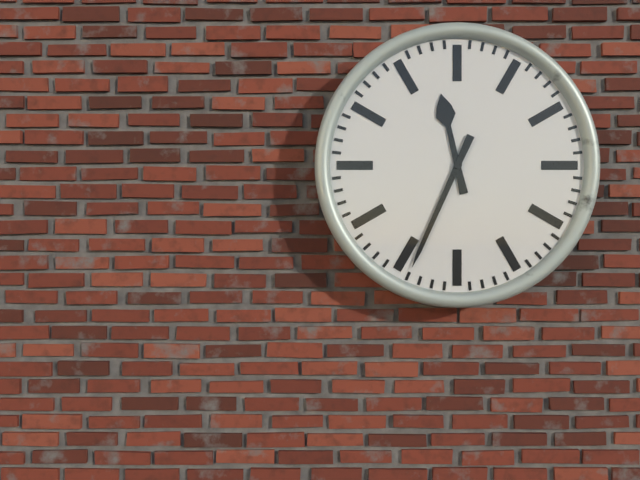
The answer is 11:34
